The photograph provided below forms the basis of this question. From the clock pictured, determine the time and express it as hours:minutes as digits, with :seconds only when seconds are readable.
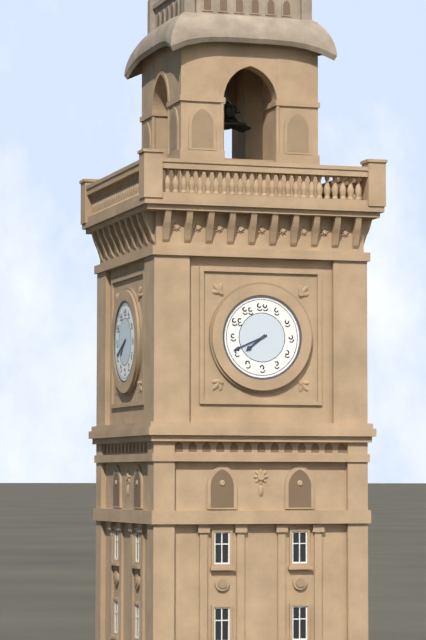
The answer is 7:41
